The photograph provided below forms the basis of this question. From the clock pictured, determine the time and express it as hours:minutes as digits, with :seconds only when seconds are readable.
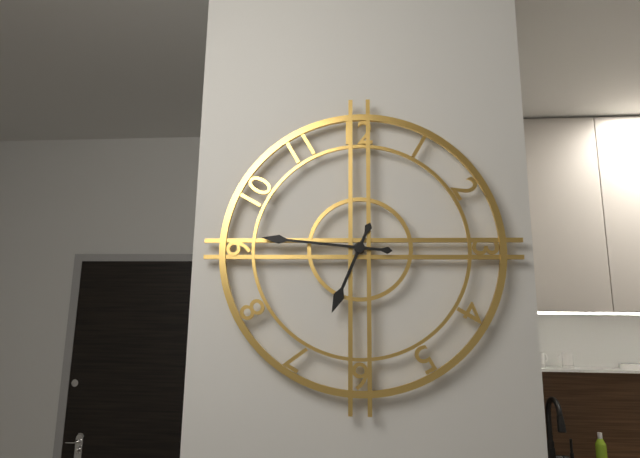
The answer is 6:46
